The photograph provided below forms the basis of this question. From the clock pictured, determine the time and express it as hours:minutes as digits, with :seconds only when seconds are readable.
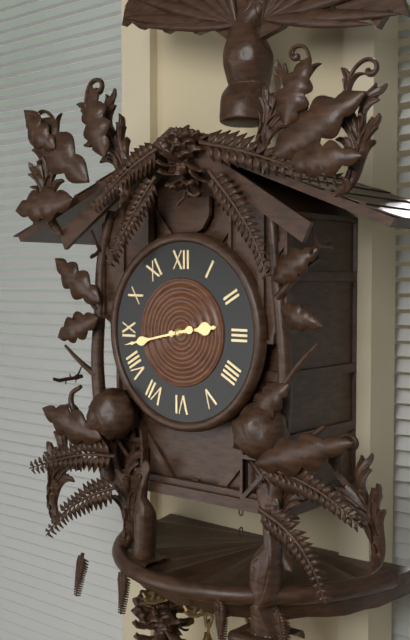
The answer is 2:43
